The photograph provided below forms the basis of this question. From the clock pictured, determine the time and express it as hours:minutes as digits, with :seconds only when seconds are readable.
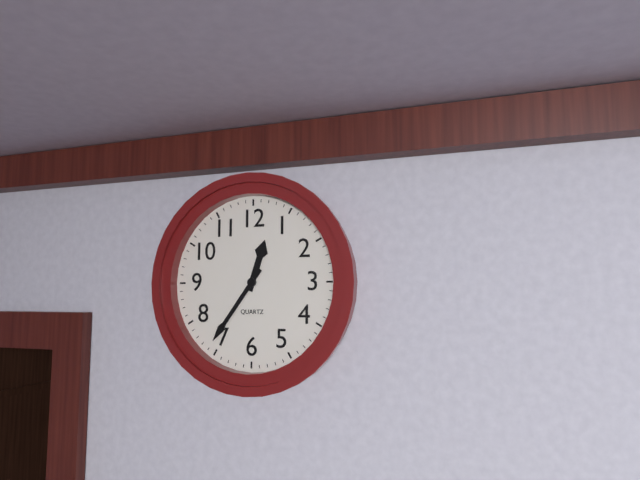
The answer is 12:36
